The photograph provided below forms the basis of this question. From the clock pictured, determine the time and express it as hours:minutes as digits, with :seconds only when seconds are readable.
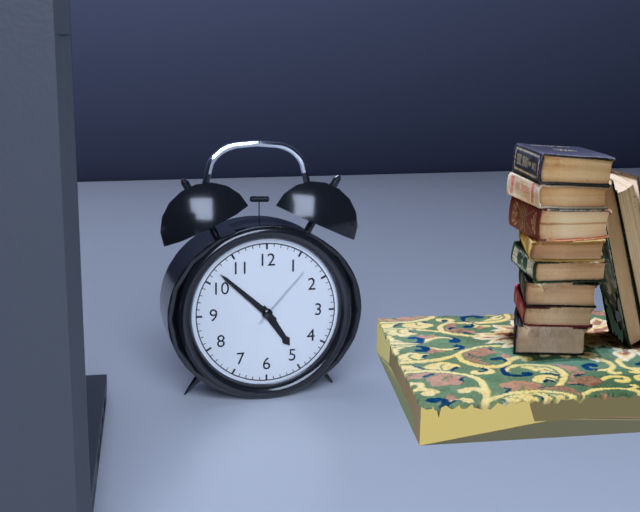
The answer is 4:52:07
